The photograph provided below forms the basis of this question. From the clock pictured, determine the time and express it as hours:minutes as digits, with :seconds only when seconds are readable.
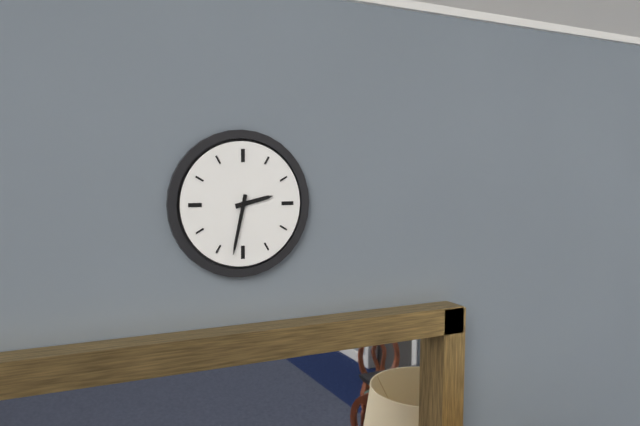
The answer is 2:32
